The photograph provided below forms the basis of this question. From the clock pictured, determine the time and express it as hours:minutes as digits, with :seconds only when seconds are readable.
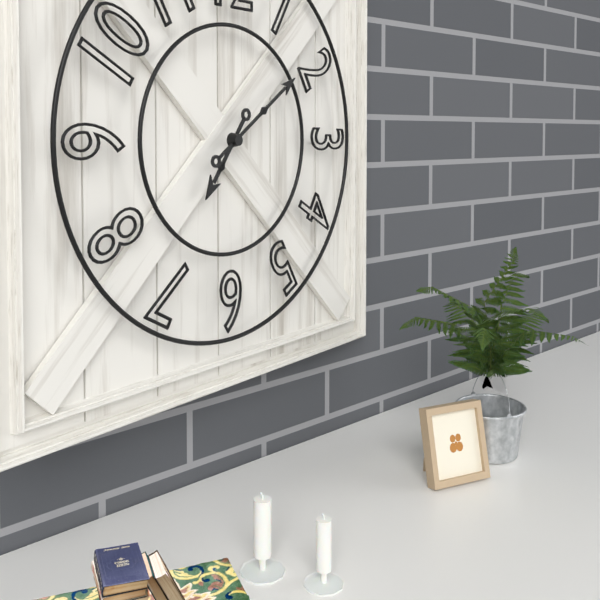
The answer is 7:09
